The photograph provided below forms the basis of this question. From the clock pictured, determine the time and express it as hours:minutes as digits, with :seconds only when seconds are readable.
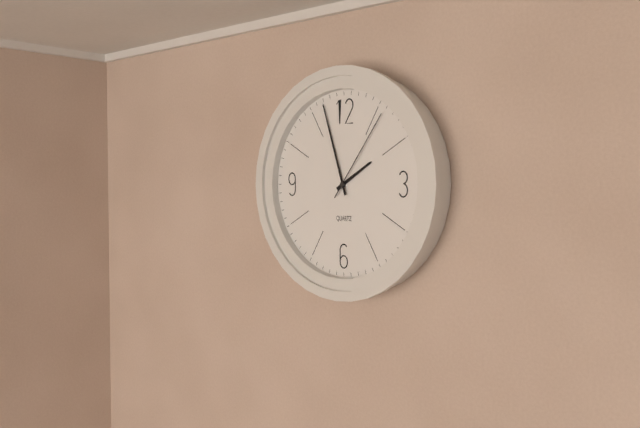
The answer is 1:57:06
